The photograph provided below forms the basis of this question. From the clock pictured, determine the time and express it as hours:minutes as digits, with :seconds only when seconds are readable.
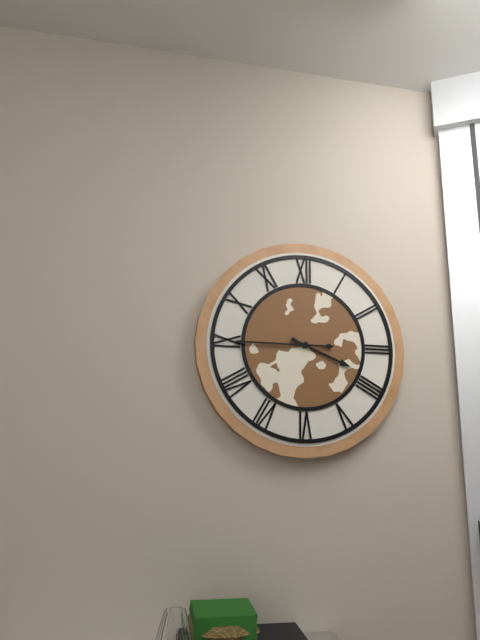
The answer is 3:45
